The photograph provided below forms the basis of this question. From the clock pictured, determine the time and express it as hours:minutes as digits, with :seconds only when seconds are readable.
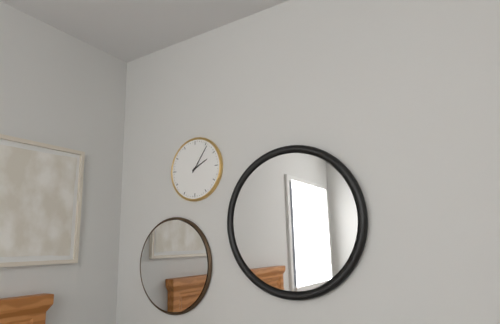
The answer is 2:06
